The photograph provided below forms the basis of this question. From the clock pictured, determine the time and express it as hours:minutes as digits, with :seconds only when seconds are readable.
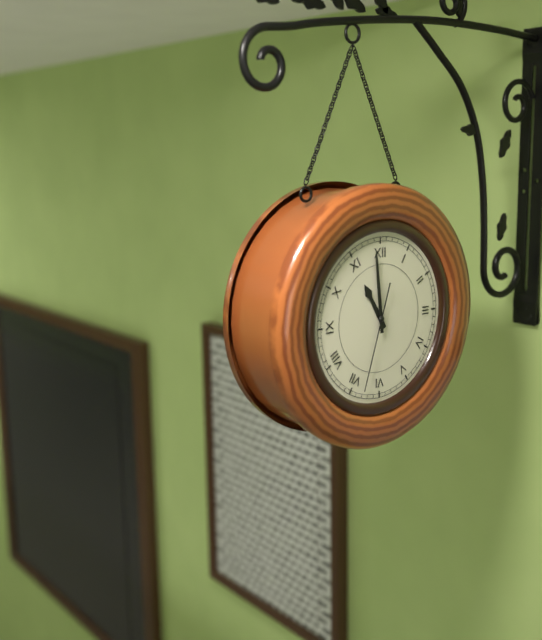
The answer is 10:59:33
